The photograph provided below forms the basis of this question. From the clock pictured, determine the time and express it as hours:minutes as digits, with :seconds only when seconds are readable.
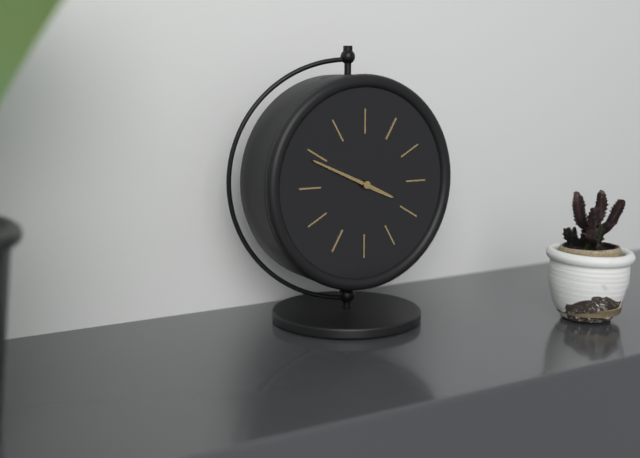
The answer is 3:49
